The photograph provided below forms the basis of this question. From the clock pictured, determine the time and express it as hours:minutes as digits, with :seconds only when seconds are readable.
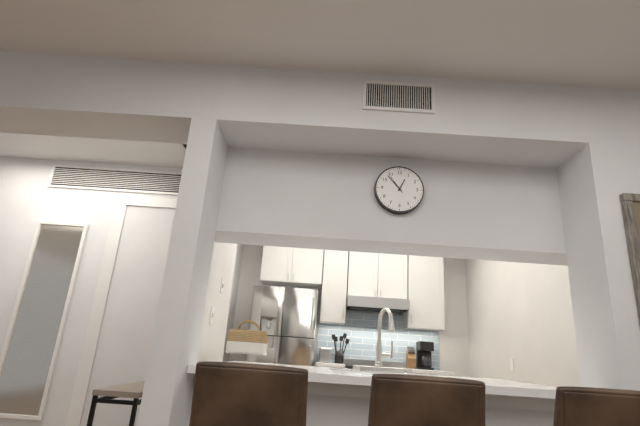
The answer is 12:53
